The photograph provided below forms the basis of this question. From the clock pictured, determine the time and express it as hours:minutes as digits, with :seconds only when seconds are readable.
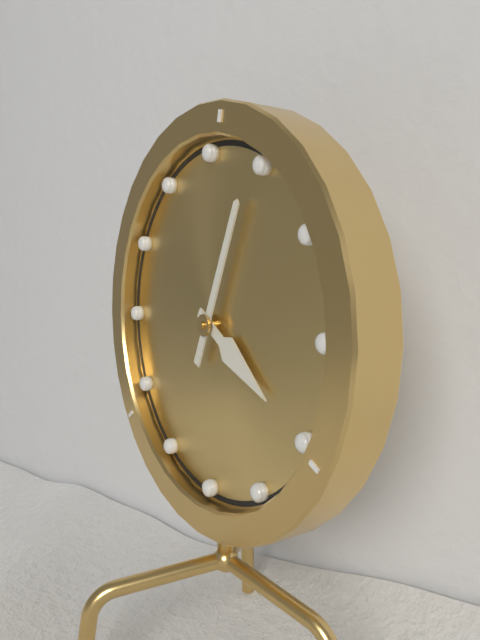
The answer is 4:04
